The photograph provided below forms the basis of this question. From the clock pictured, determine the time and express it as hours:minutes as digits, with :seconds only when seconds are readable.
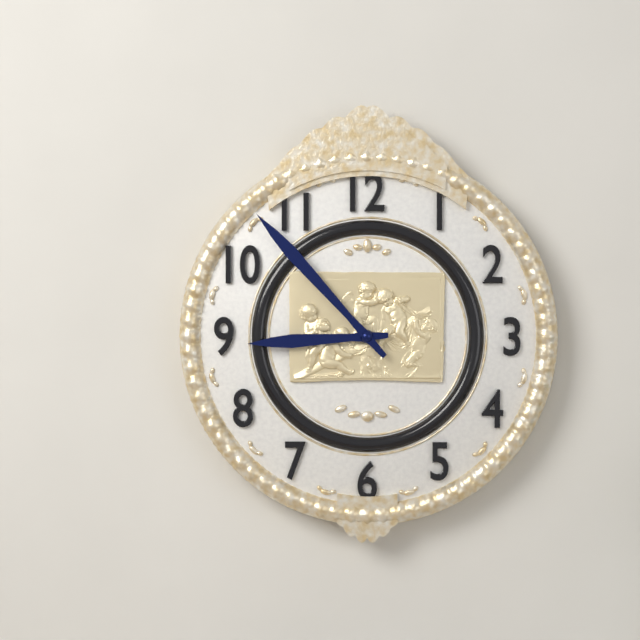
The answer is 8:53
